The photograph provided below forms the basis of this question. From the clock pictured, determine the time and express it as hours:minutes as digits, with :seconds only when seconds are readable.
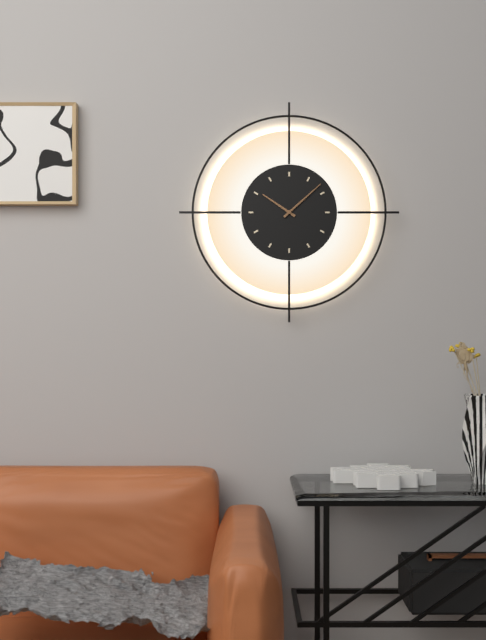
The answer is 10:08
